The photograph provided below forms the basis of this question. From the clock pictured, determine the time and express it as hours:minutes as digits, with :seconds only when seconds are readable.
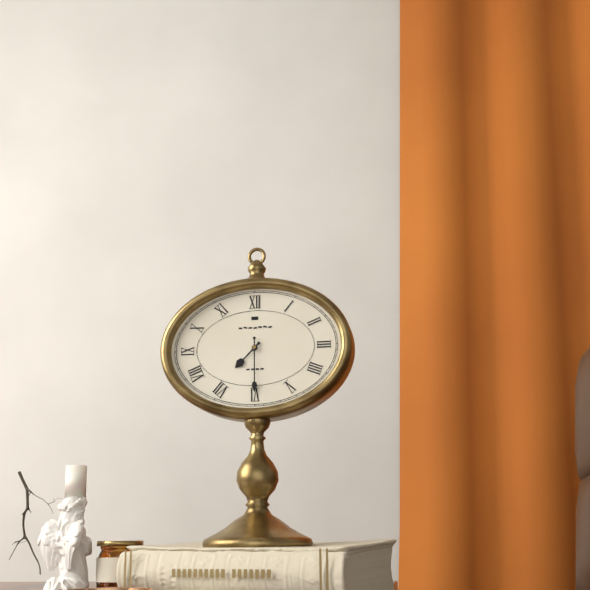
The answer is 7:30
